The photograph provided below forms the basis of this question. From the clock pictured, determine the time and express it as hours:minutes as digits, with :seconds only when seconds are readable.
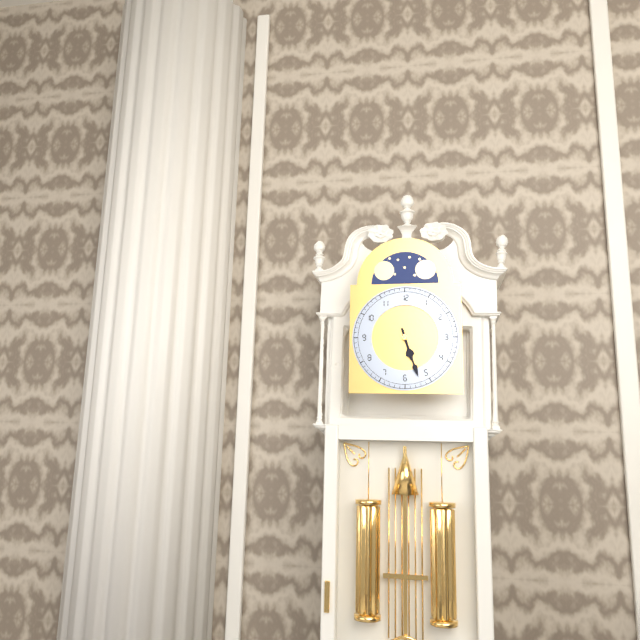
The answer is 5:27
